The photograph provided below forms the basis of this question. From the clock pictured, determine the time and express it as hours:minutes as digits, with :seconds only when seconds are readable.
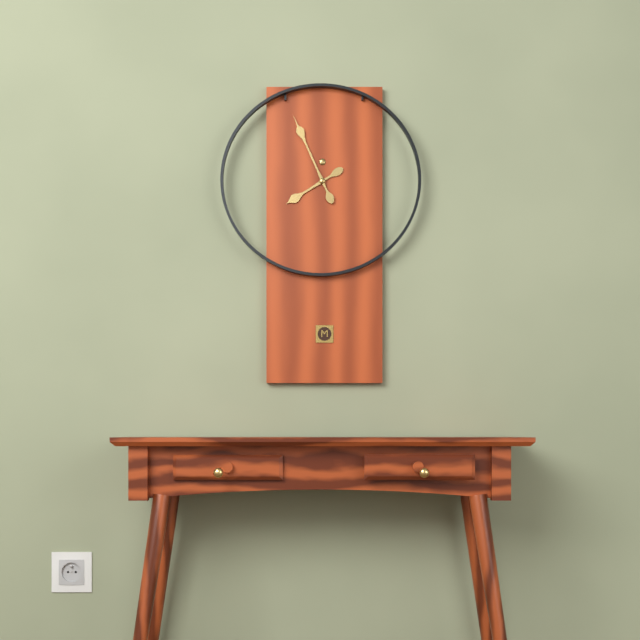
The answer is 7:56
